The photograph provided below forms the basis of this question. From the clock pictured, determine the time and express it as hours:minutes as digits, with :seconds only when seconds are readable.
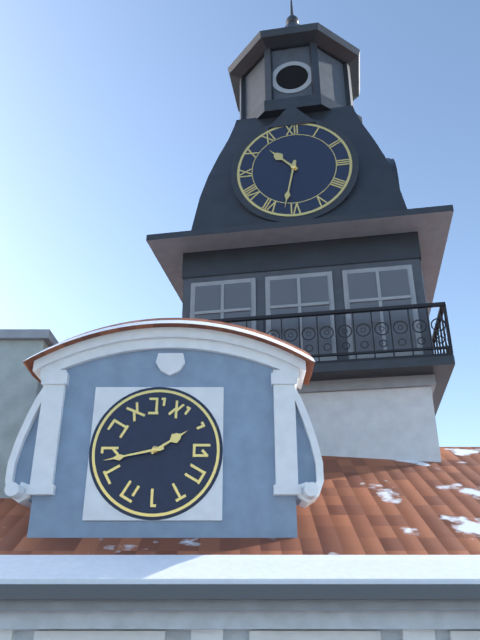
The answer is 10:32
